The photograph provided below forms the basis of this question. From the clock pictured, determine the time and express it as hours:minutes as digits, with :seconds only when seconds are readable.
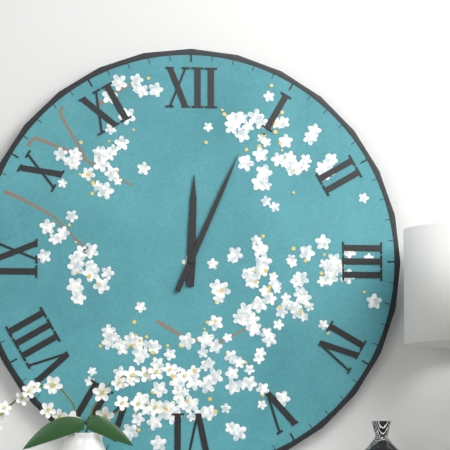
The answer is 12:04
